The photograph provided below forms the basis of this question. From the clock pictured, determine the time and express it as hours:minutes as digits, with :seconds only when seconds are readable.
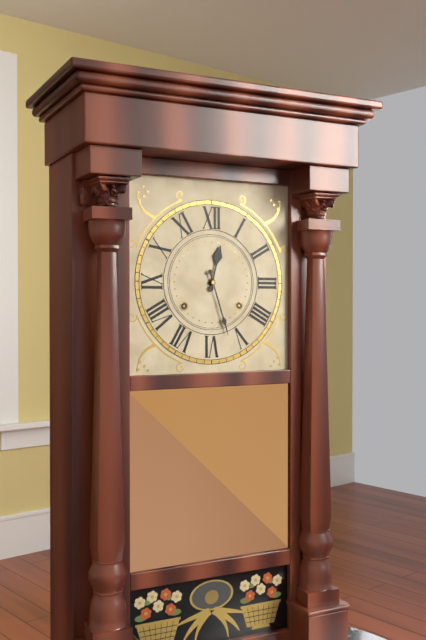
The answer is 12:27
